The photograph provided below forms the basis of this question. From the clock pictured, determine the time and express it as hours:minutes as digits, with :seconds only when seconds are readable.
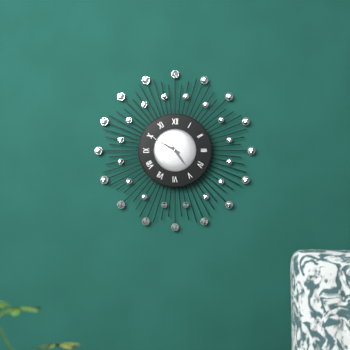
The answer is 4:50
